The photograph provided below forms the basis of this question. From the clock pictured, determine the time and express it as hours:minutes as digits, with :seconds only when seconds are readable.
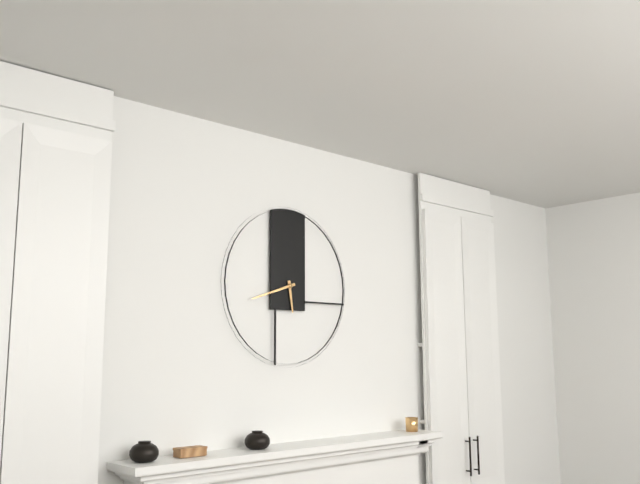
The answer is 5:42
